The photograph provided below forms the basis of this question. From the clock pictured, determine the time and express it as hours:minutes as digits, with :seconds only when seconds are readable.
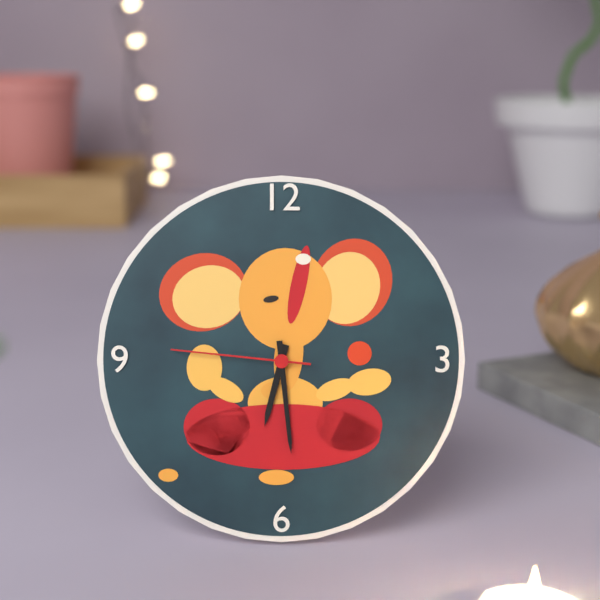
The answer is 6:29:46
